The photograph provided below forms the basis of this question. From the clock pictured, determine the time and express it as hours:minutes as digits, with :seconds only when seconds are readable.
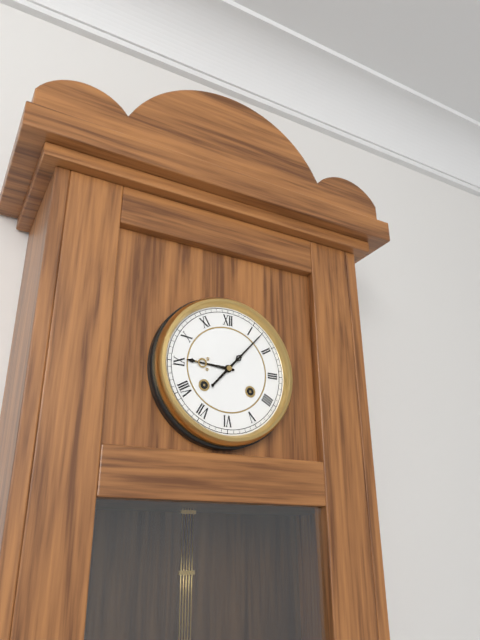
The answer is 9:07
